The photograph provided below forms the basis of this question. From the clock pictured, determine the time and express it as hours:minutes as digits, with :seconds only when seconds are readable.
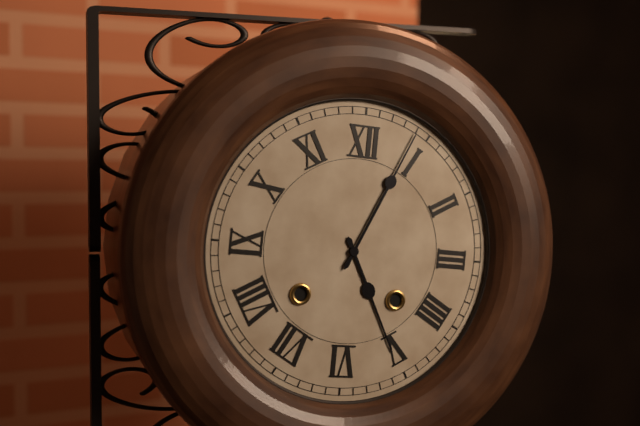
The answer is 5:04
